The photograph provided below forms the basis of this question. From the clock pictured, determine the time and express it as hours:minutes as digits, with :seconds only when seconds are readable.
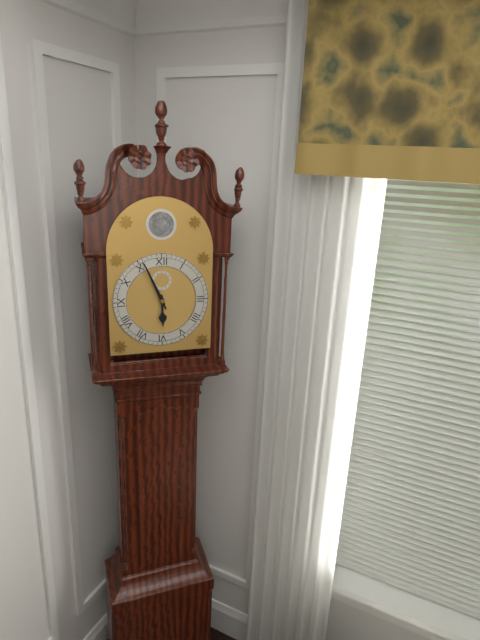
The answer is 5:56
